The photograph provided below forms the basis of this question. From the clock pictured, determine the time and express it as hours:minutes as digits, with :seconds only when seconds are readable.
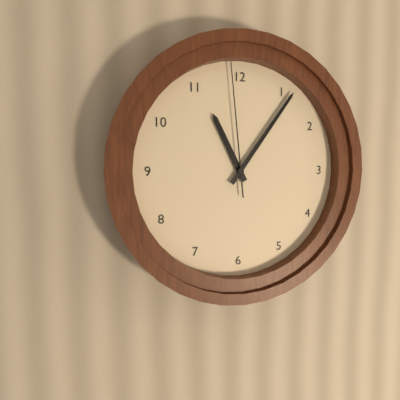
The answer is 11:06:59
